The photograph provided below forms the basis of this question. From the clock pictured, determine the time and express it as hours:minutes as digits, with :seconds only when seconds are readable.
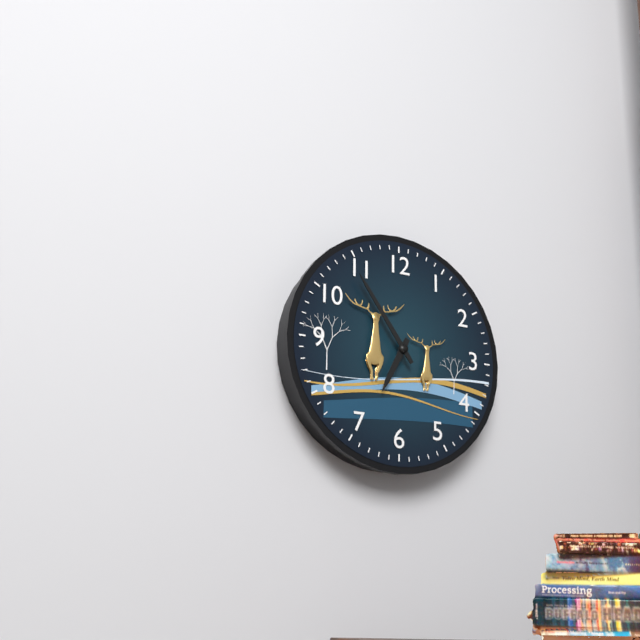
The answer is 6:54
